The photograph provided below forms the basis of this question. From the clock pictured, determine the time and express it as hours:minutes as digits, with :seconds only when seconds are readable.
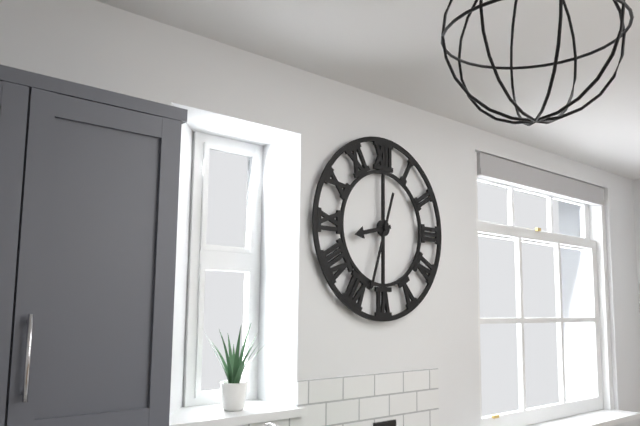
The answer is 8:33
